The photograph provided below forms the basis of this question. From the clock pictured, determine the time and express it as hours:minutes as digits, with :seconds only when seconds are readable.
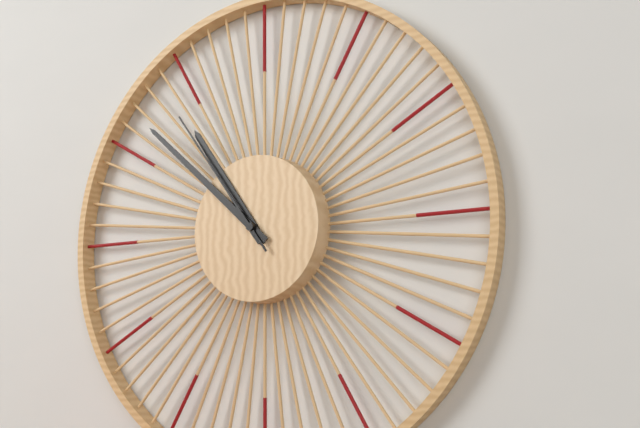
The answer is 10:52:54
